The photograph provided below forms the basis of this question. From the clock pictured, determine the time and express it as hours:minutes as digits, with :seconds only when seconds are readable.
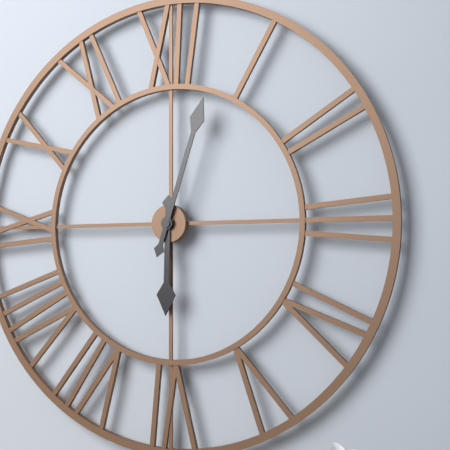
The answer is 6:03
